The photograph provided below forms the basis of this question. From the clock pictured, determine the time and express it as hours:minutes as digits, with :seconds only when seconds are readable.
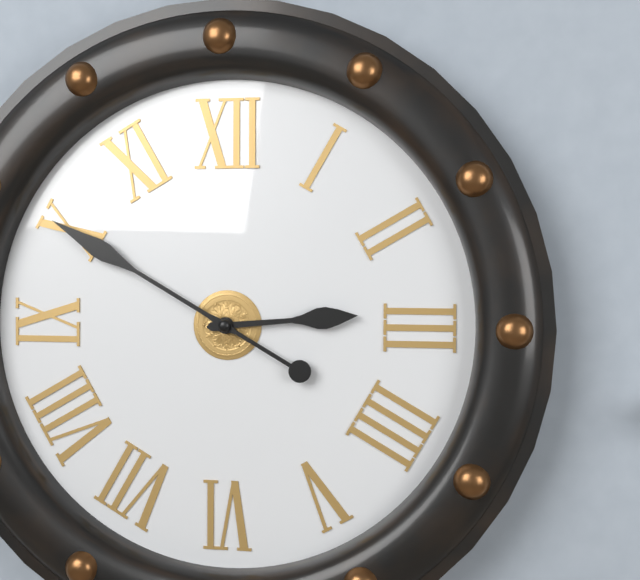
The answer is 2:50
